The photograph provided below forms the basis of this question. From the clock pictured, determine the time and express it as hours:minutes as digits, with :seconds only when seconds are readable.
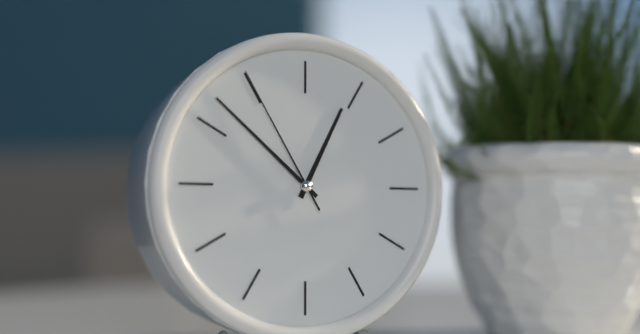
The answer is 12:52:55
